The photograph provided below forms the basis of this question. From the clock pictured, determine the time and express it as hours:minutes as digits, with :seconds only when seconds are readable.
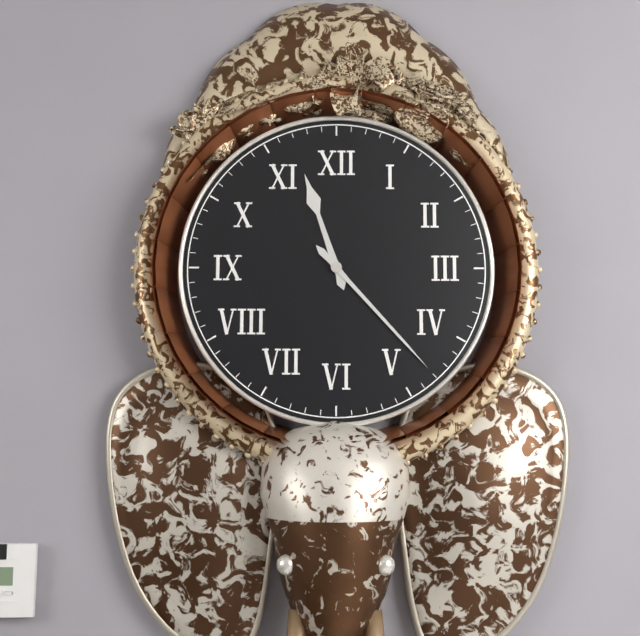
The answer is 11:23
